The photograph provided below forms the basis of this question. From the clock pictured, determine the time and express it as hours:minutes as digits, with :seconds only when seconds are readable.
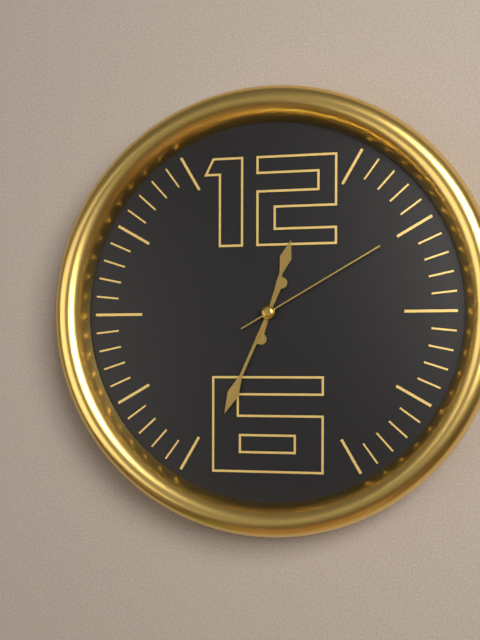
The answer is 12:34:10
